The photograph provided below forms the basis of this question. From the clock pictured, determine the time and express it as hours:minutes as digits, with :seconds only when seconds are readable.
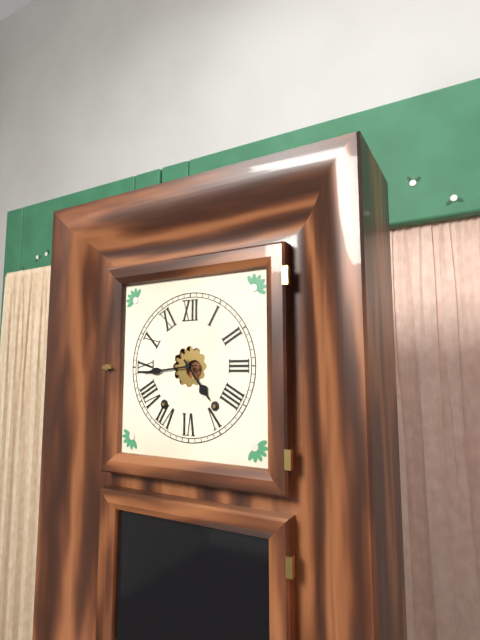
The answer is 4:44
